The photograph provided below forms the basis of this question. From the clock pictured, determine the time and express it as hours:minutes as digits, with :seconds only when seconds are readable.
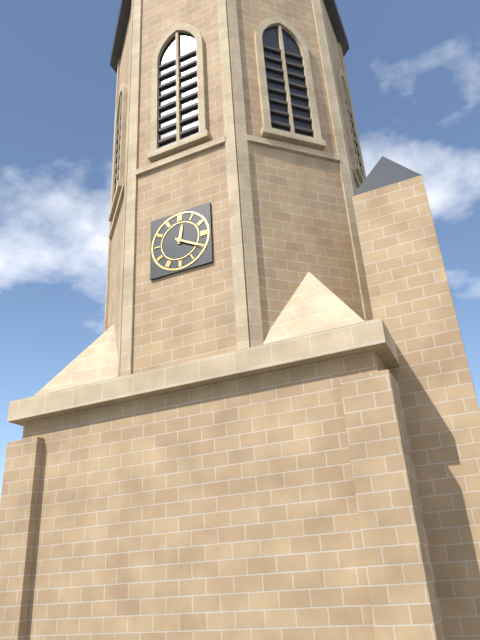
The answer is 12:20
